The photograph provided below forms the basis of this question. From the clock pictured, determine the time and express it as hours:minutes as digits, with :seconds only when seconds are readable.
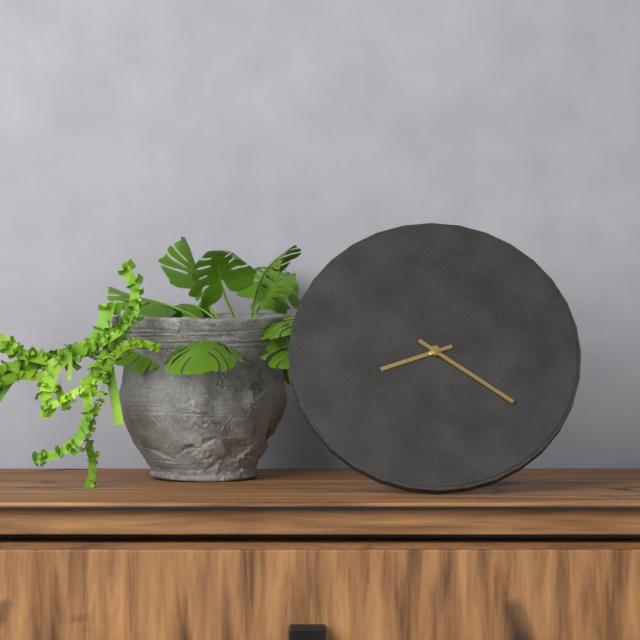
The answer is 8:21
